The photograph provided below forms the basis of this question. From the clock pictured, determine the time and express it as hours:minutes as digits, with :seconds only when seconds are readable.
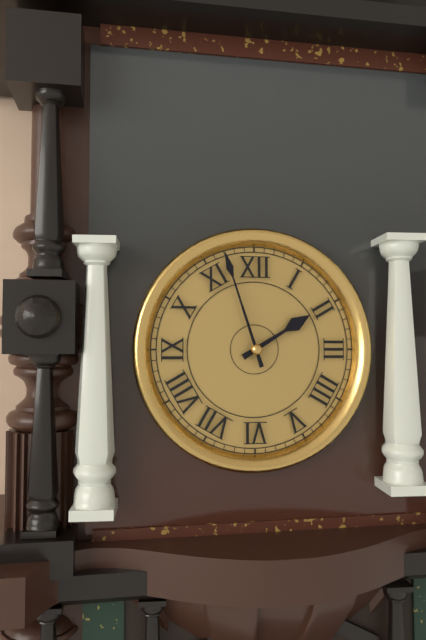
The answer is 1:57
